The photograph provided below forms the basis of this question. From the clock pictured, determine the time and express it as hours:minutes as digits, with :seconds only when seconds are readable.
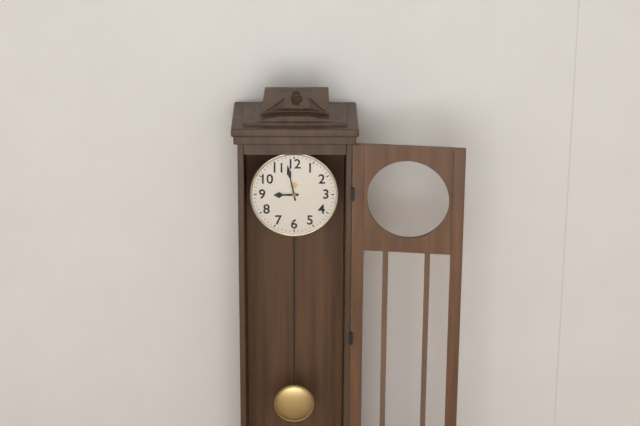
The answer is 8:58
